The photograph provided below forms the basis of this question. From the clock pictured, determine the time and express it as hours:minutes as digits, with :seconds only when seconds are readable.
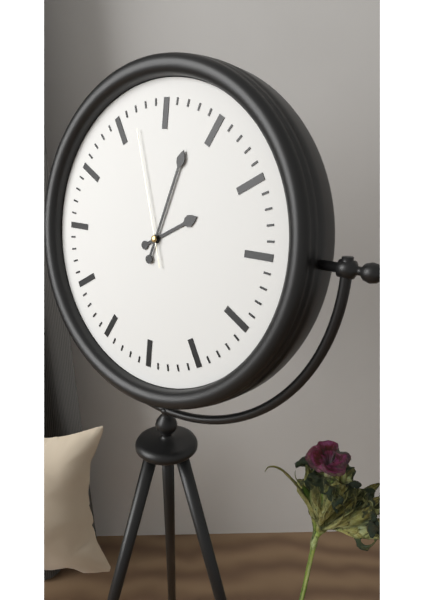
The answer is 2:03:57
